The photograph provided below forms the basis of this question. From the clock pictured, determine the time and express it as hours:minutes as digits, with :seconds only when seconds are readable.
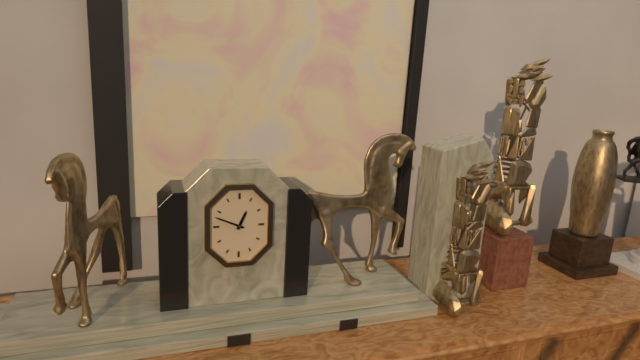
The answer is 12:49
